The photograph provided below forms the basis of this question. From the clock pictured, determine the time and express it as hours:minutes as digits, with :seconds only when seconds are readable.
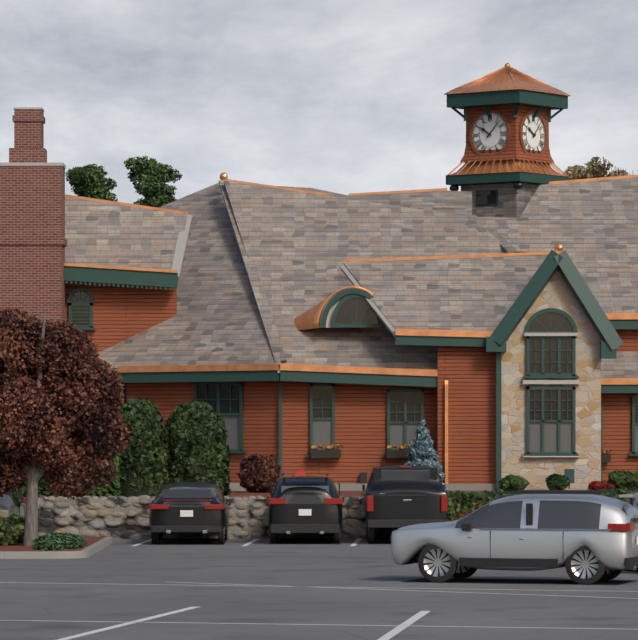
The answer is 10:07
